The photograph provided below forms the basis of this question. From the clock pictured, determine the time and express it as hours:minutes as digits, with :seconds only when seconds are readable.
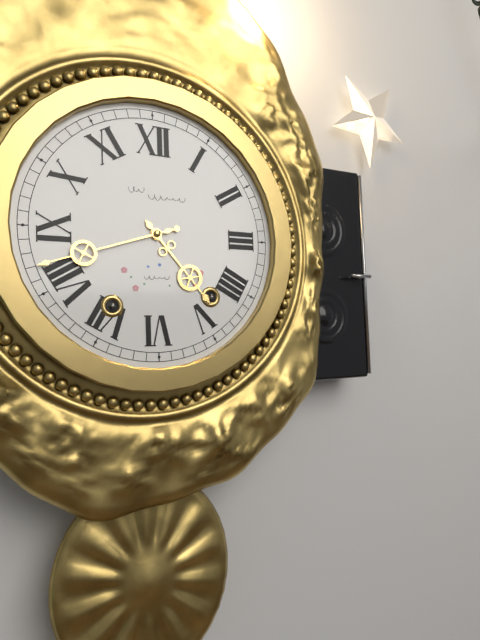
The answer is 4:42
